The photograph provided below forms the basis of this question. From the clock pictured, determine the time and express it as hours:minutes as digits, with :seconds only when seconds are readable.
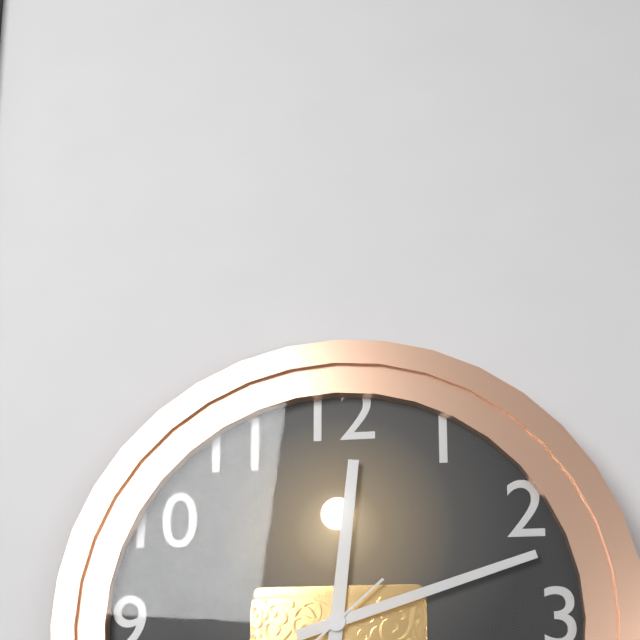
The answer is 12:12
